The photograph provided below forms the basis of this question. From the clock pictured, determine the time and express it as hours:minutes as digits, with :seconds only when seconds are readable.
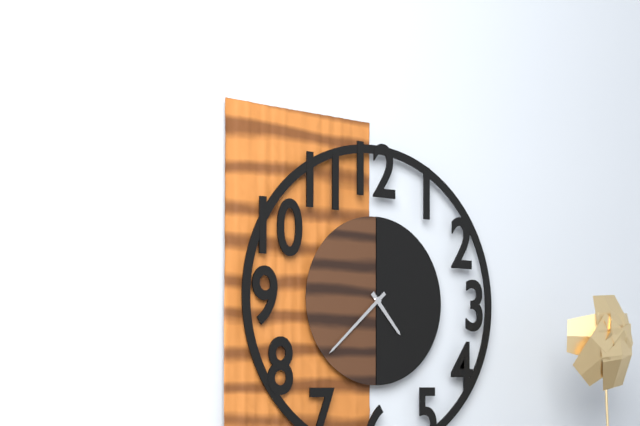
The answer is 4:38
